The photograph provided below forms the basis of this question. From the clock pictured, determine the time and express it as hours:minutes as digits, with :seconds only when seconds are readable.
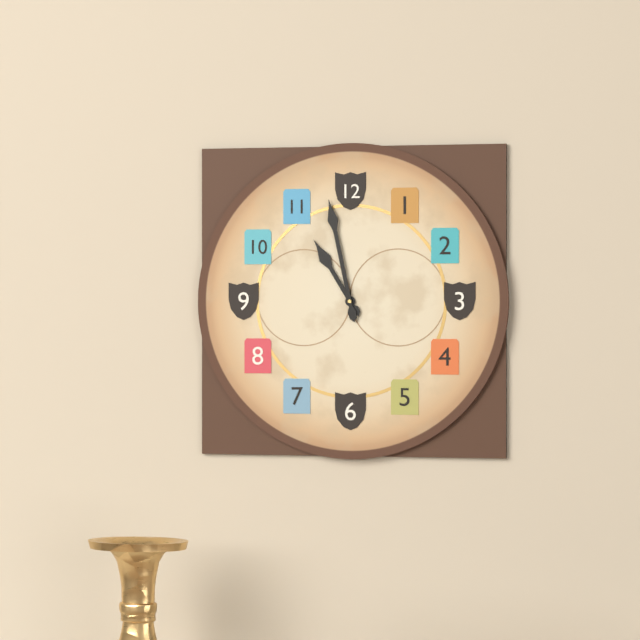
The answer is 10:58
